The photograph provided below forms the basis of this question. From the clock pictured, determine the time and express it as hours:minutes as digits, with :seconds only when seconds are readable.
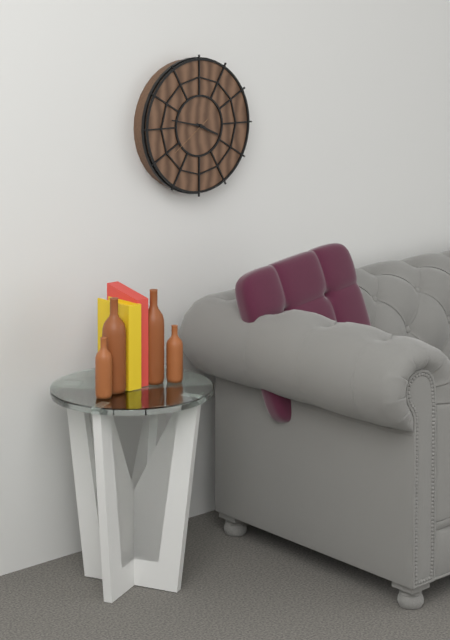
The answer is 3:47
